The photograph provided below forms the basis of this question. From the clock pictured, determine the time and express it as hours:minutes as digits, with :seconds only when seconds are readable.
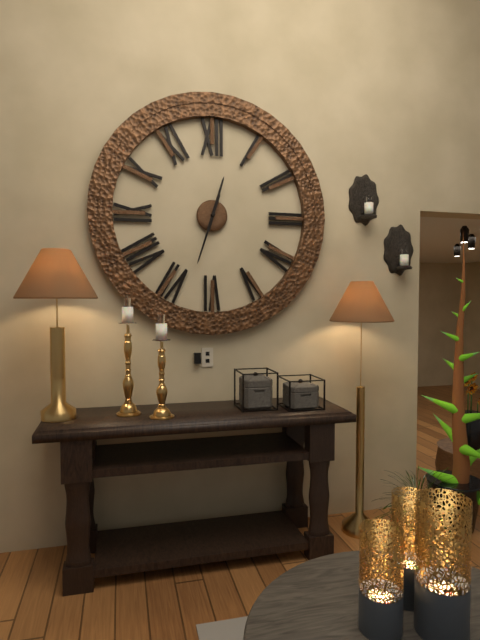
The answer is 12:33
